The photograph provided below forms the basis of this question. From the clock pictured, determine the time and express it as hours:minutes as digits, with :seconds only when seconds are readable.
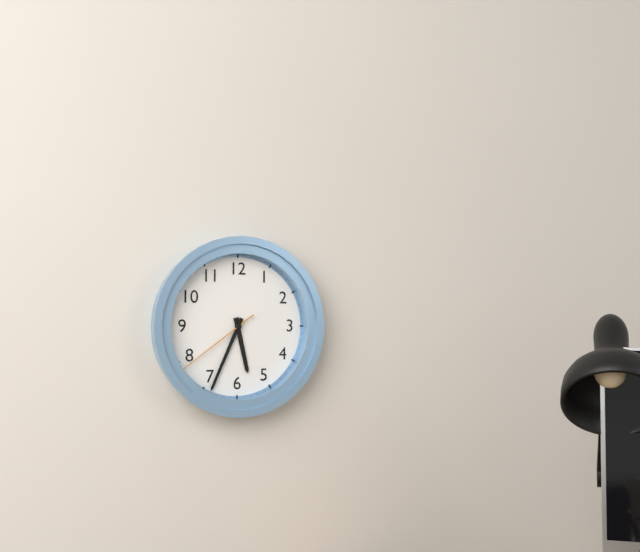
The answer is 5:34:39
